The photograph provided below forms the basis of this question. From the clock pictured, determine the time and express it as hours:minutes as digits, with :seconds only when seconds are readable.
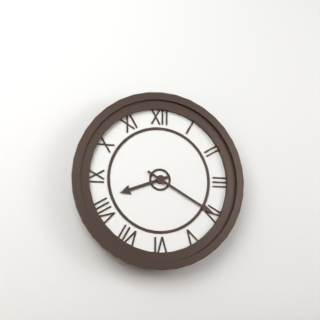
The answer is 8:20
